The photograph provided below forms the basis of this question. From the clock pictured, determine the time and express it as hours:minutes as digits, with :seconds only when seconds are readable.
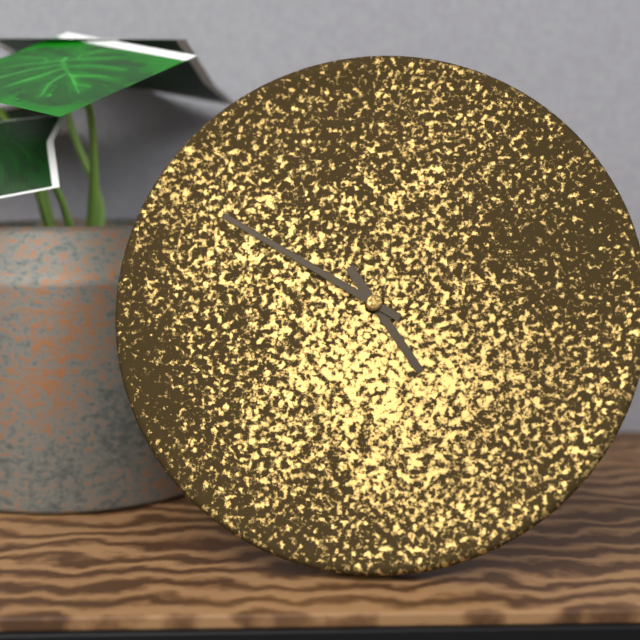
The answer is 4:50
